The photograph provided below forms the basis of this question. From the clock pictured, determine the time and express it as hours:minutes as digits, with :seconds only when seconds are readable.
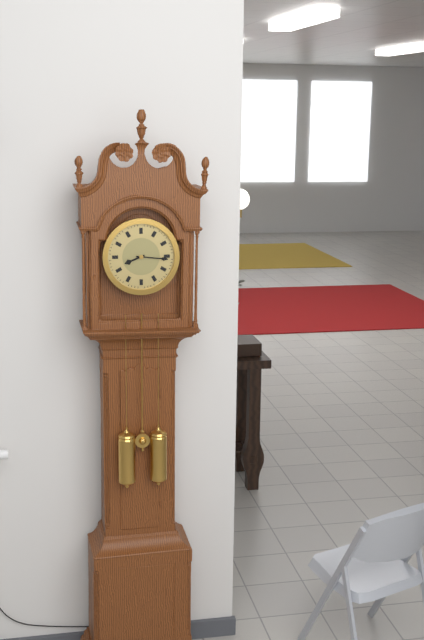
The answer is 8:16
